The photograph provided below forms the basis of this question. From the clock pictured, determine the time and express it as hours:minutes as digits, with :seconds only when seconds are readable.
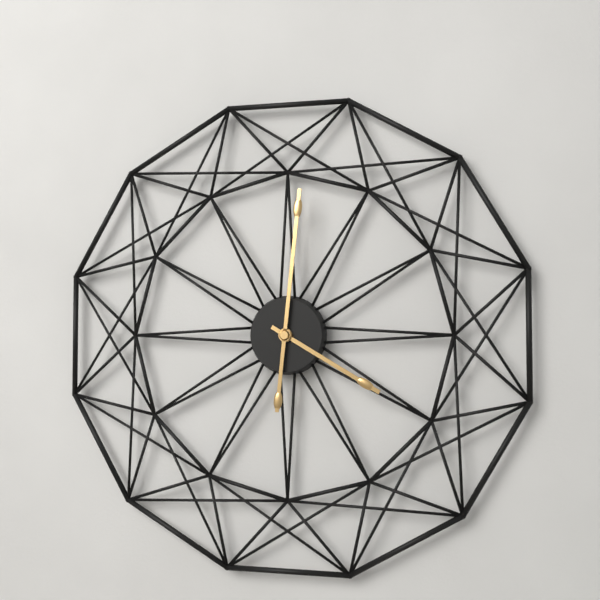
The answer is 4:01
